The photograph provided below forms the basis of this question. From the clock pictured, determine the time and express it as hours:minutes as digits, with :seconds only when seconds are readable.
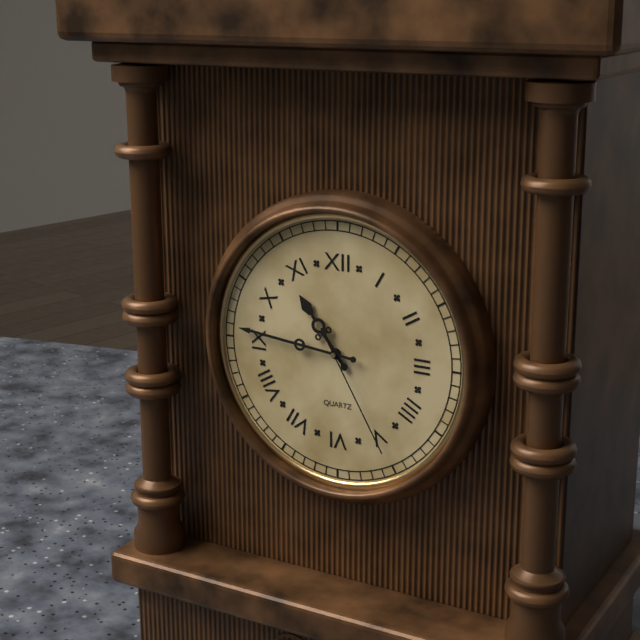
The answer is 10:46:25
